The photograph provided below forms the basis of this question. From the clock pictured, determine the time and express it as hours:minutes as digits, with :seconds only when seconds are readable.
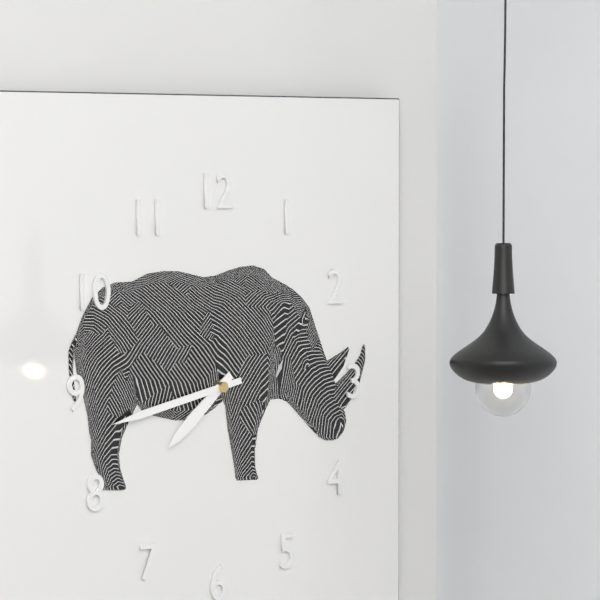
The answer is 7:43
